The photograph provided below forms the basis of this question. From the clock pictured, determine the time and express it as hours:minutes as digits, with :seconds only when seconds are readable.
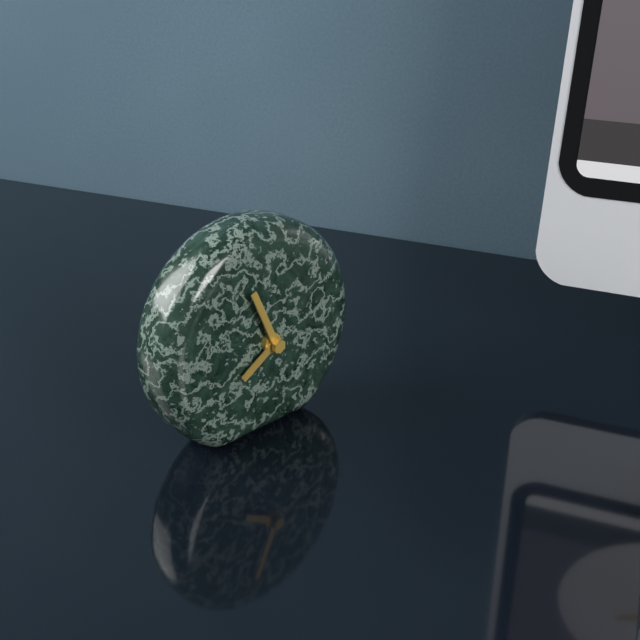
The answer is 7:56
